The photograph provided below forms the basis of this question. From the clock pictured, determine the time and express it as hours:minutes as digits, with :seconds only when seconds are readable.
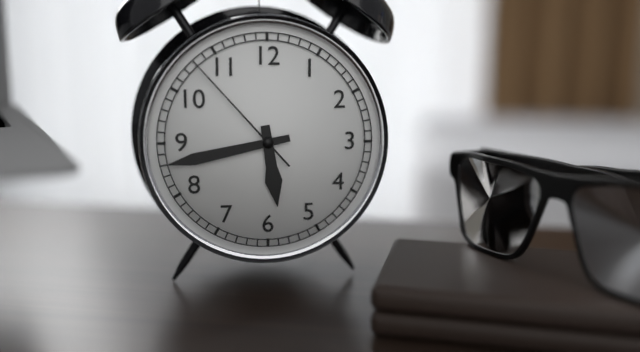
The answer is 5:43:53
